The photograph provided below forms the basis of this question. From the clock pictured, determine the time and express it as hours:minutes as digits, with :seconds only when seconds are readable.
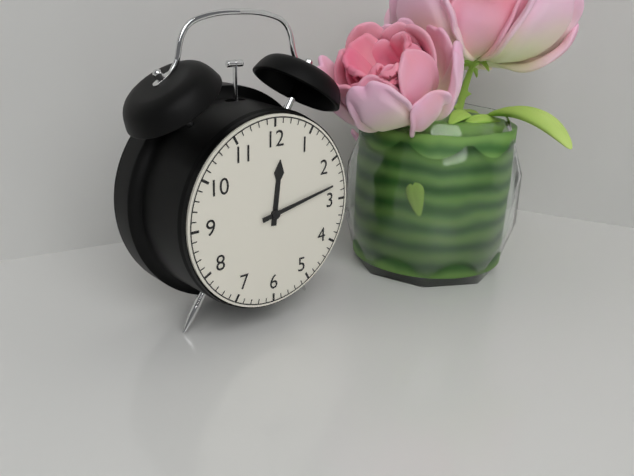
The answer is 12:13
